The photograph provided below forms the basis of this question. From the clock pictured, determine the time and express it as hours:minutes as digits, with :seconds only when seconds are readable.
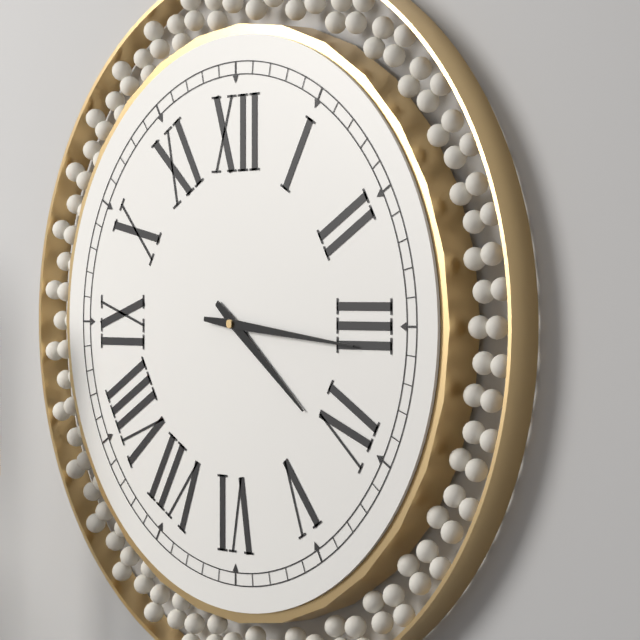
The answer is 4:16
